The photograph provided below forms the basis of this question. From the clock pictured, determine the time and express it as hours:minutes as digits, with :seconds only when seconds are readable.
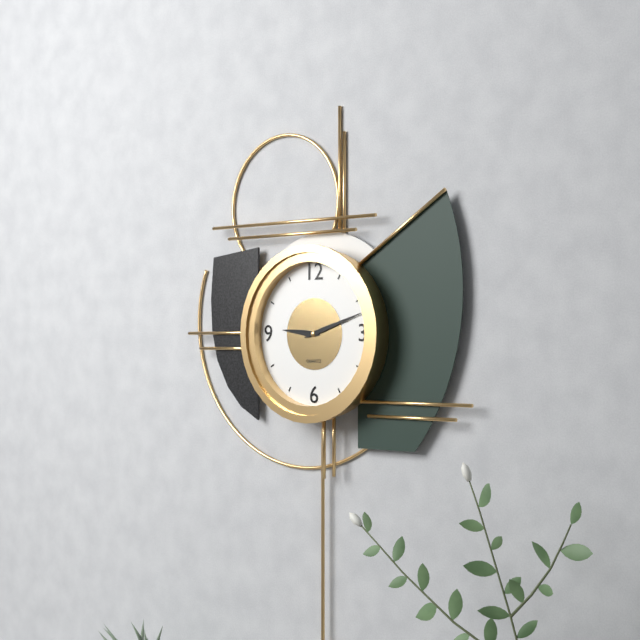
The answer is 9:12
